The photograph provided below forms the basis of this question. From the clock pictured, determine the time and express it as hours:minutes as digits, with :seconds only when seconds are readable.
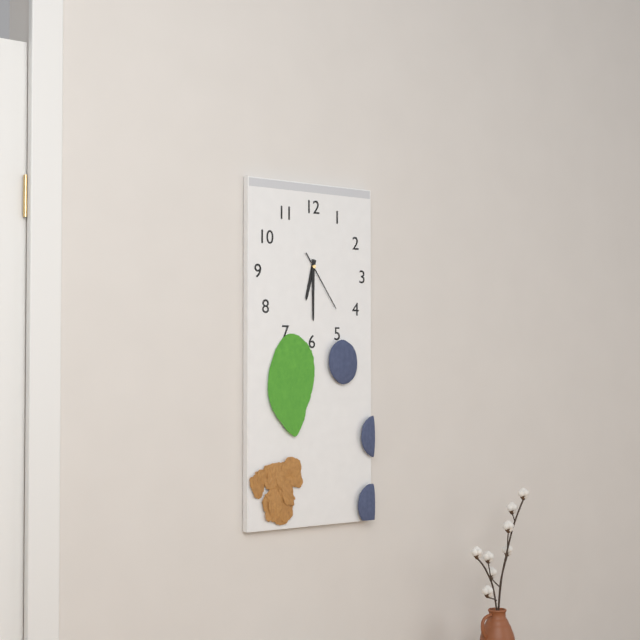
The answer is 6:30:24
